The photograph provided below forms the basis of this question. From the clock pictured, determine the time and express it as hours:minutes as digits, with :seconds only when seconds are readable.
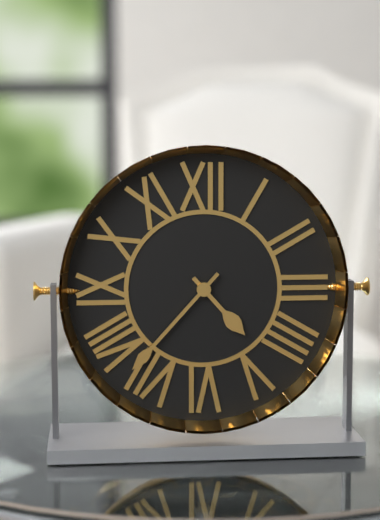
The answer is 4:37
